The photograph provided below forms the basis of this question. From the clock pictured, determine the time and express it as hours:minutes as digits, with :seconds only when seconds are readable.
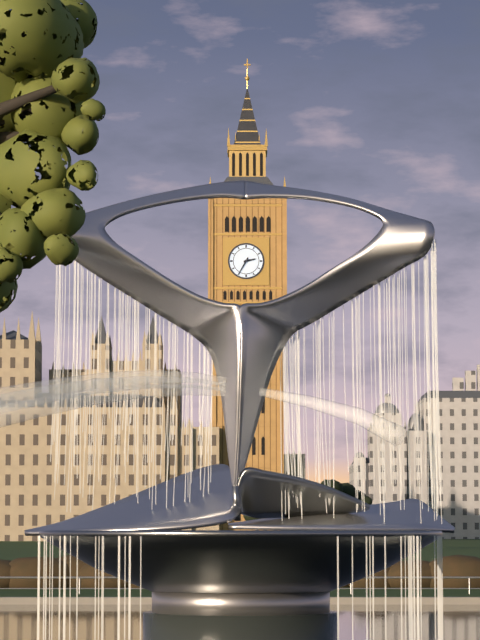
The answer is 2:35
